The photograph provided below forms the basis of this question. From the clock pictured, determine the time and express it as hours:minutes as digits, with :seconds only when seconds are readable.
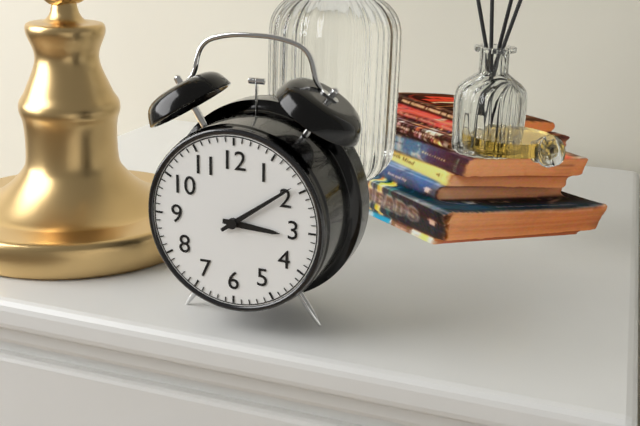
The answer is 3:09
